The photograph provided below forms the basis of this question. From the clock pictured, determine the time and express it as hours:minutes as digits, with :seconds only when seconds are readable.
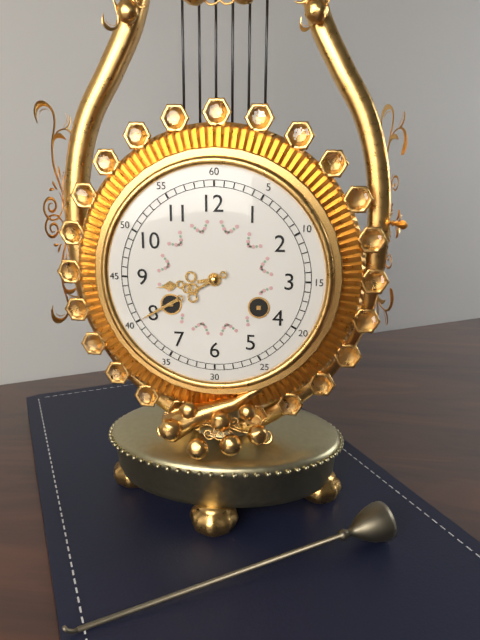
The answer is 8:40
